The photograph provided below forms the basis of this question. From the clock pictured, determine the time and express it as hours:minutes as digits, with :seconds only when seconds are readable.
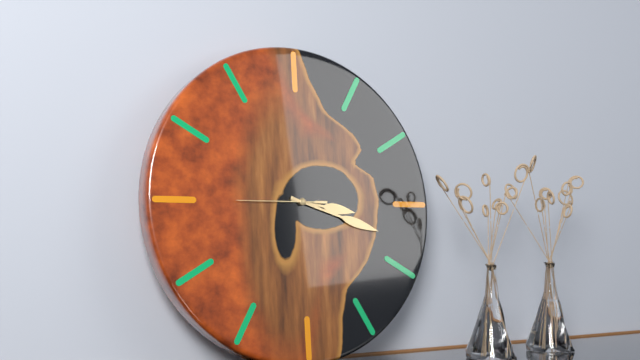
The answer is 3:18:45
